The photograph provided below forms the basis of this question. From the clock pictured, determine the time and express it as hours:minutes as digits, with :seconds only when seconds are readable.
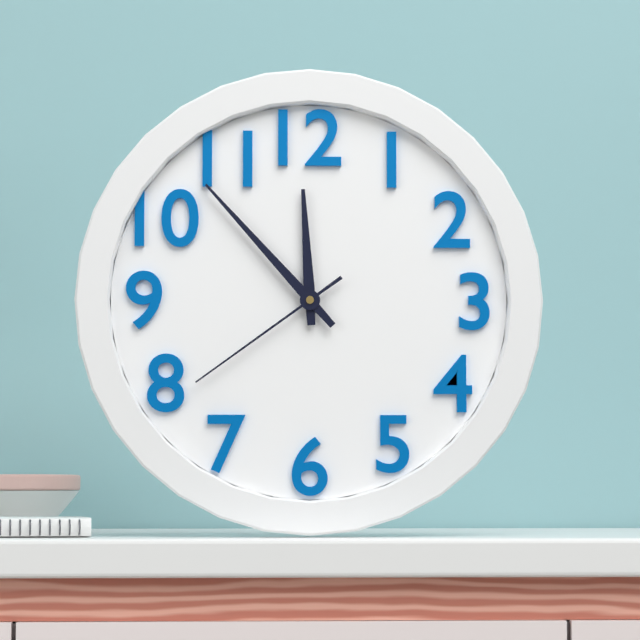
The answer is 11:53:39
